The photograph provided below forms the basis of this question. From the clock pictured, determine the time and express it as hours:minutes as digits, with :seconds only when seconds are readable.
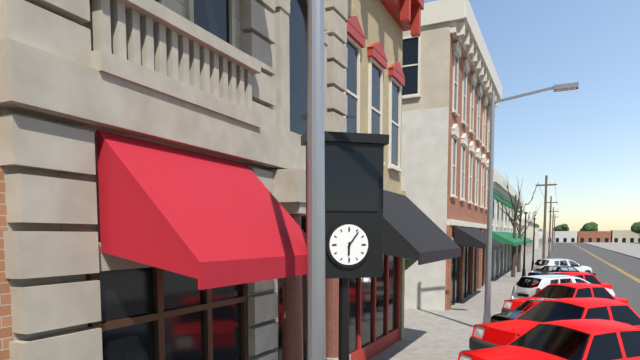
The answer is 6:06
